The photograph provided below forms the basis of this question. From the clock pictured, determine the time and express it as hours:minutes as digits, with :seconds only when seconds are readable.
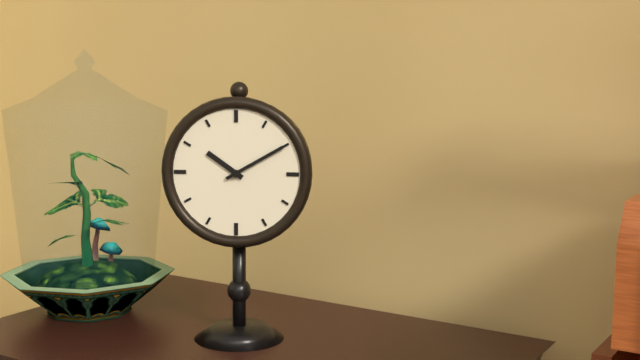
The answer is 10:10
